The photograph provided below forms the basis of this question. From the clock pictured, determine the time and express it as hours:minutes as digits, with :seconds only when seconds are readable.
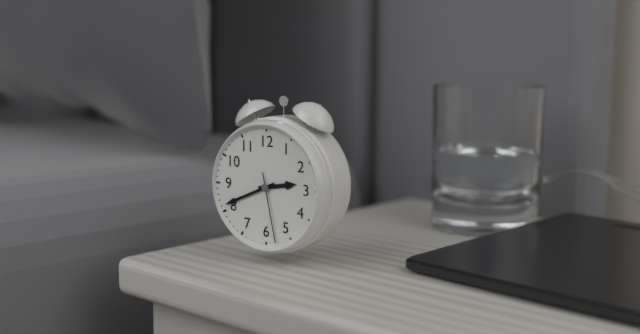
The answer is 2:41:28
